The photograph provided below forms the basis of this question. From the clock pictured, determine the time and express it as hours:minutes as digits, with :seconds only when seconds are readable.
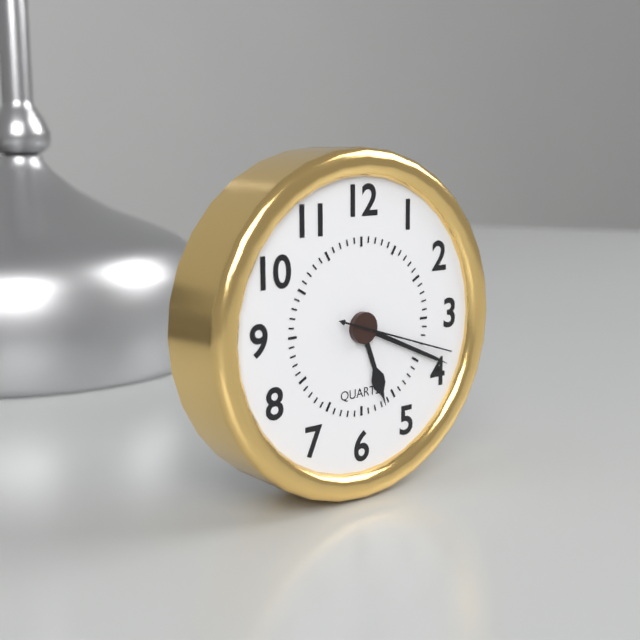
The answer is 5:19:18
